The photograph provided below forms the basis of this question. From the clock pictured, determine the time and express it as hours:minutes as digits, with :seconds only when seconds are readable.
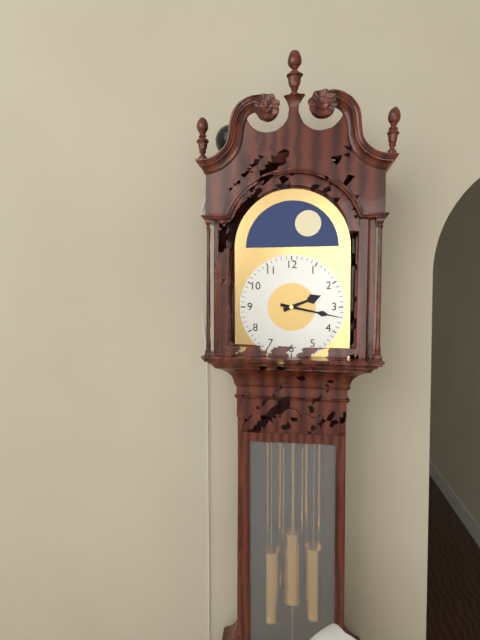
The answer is 2:17
